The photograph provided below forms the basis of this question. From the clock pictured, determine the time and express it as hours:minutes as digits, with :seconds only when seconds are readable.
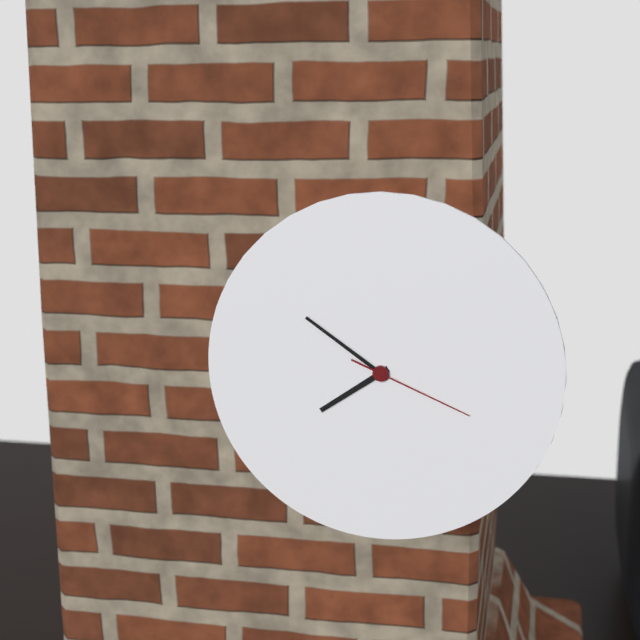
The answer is 7:51:19
